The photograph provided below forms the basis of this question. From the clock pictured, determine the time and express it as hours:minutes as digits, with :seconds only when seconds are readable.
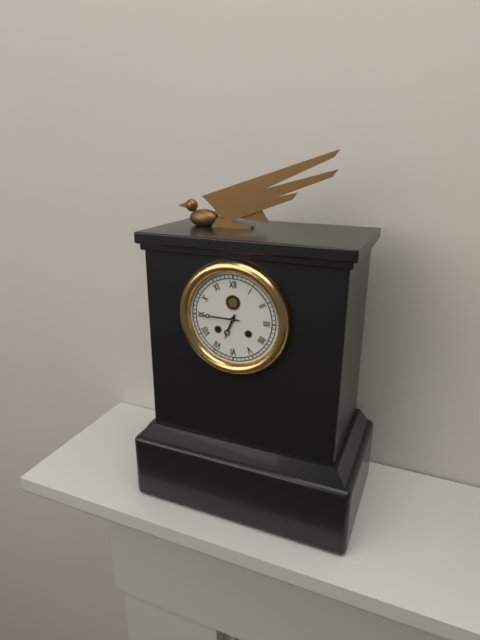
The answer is 6:45
